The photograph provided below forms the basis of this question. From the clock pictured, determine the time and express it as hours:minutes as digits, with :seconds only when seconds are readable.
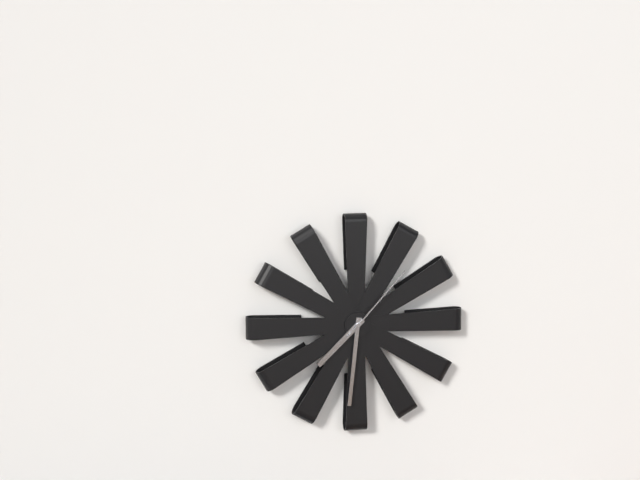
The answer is 7:31:07
